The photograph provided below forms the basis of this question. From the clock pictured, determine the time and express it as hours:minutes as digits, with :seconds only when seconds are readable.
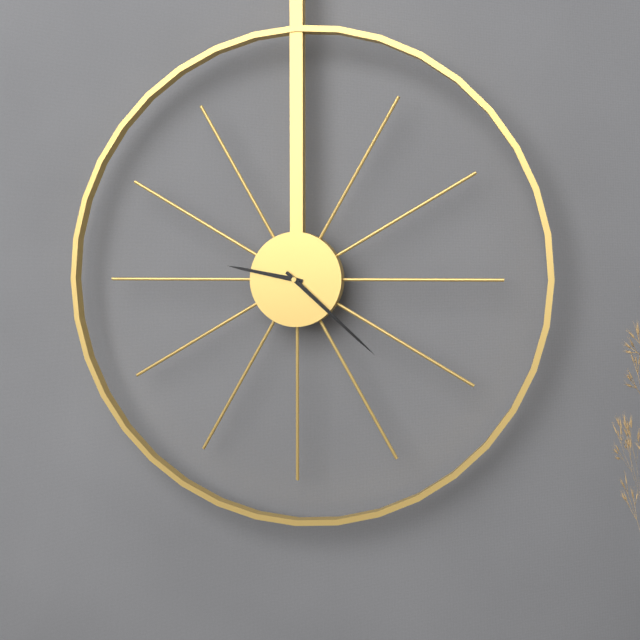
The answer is 9:22
